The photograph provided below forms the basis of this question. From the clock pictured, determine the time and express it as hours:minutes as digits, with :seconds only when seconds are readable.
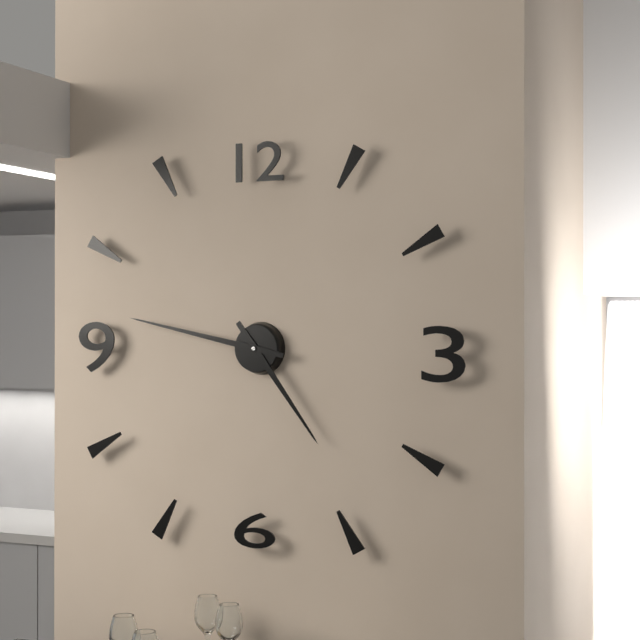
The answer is 4:47
